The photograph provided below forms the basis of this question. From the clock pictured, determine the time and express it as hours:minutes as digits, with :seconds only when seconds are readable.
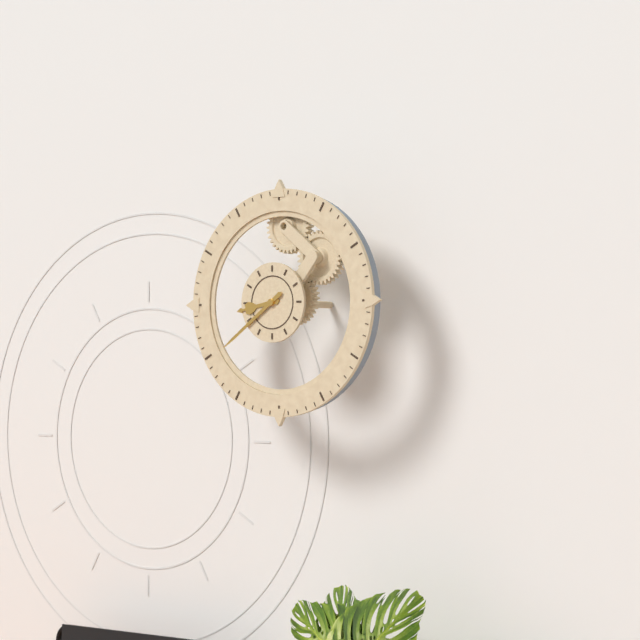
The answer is 8:39
